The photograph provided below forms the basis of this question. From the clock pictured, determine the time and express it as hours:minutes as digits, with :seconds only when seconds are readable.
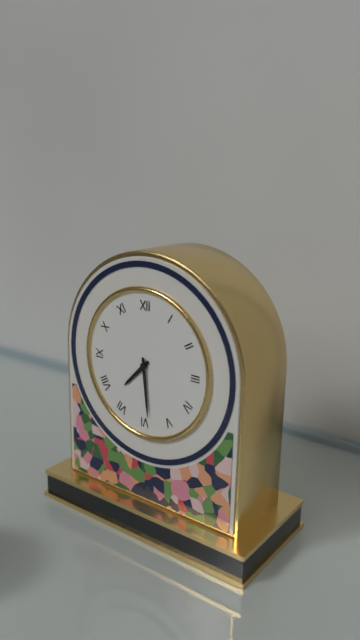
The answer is 7:29
